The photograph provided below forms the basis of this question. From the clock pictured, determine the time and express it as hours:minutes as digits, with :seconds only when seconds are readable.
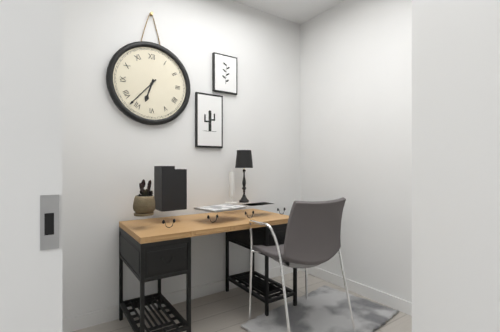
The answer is 6:37
